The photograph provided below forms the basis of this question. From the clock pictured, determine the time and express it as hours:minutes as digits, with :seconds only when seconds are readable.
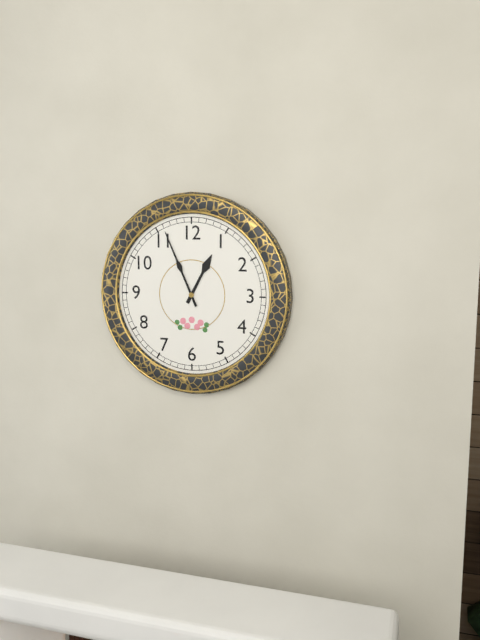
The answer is 12:56
